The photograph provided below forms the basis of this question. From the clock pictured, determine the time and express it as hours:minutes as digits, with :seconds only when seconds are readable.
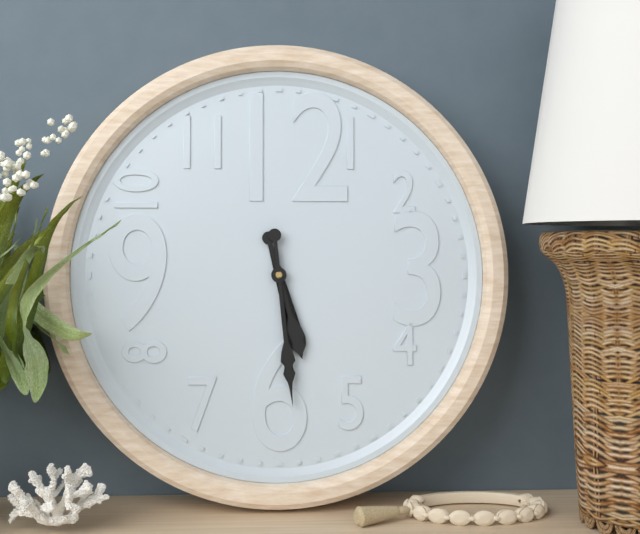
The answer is 5:29
